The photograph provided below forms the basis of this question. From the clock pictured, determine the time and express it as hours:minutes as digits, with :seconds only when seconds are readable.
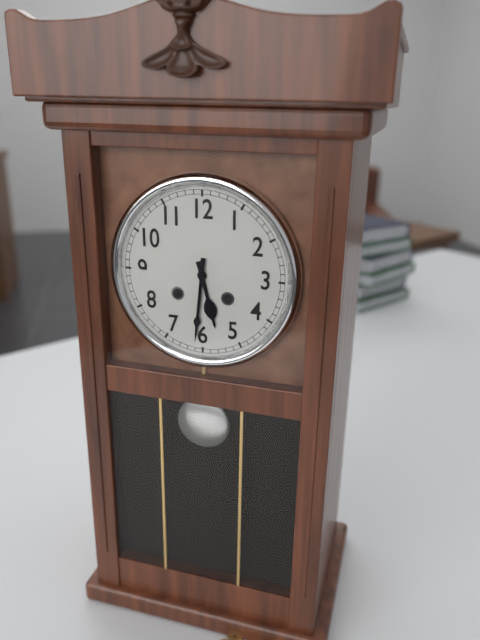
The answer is 5:31
